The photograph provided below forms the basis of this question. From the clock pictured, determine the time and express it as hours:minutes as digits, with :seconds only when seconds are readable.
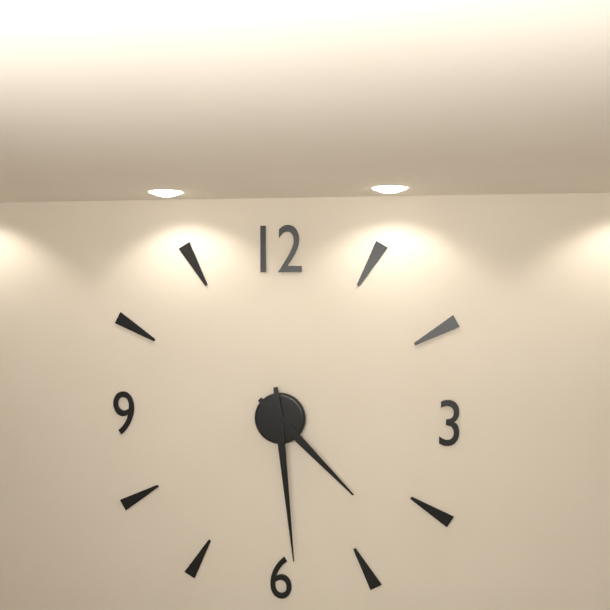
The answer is 4:29
